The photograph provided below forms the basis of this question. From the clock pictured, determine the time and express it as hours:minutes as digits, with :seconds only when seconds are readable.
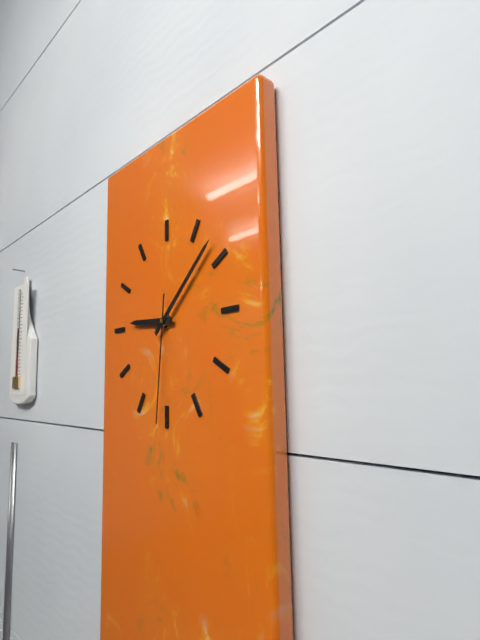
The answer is 9:08:31
